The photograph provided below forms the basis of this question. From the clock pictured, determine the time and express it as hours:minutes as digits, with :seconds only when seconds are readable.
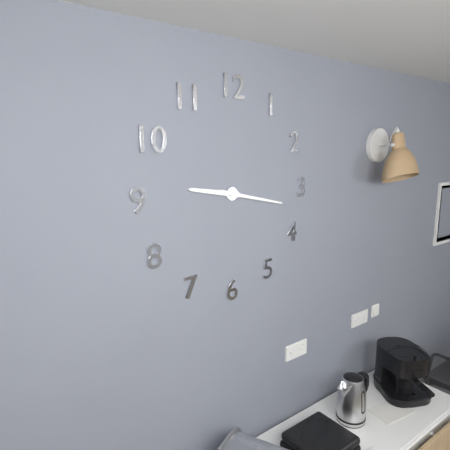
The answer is 9:17
